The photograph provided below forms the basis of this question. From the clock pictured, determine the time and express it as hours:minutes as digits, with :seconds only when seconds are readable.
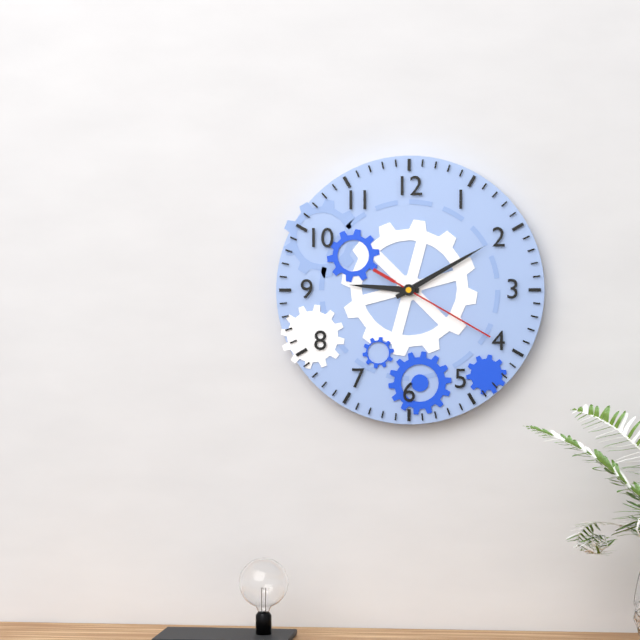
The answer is 9:10:20
